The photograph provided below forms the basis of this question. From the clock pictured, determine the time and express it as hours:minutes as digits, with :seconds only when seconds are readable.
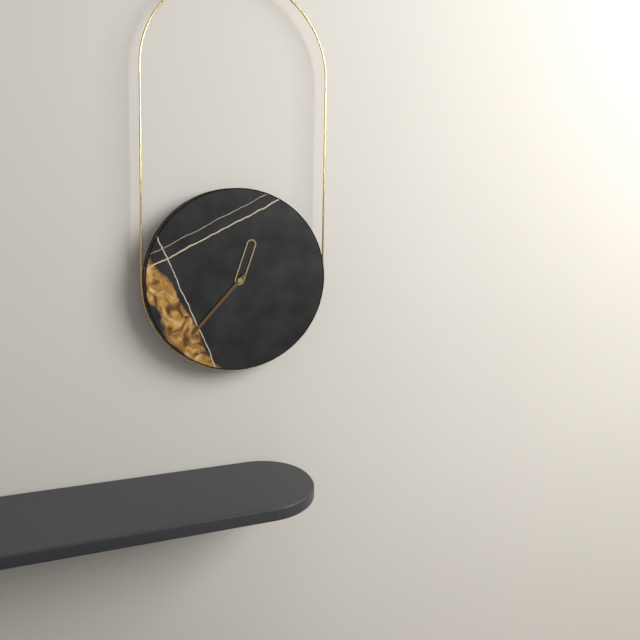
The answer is 12:37
